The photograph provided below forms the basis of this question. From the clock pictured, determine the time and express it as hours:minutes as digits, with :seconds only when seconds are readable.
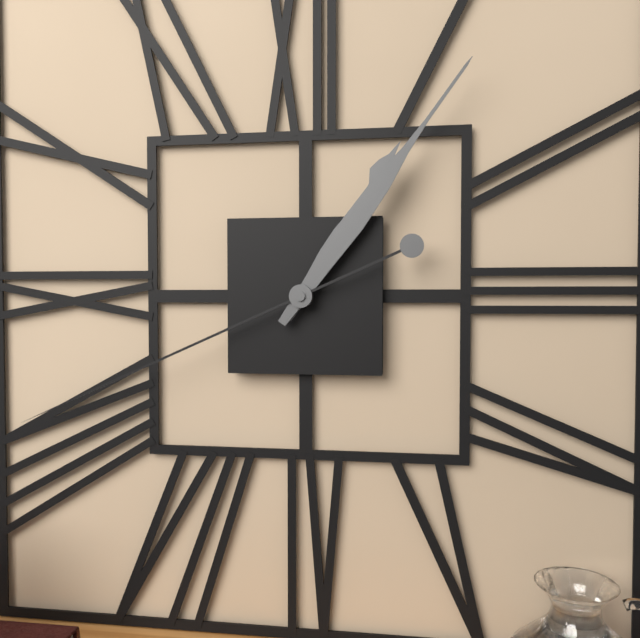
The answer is 1:06:41
